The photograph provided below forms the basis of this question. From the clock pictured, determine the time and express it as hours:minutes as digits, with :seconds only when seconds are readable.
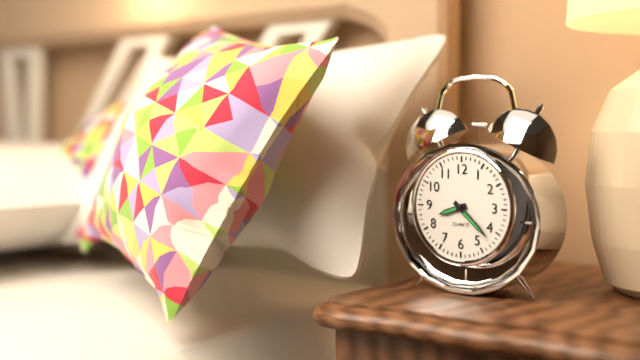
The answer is 8:22
